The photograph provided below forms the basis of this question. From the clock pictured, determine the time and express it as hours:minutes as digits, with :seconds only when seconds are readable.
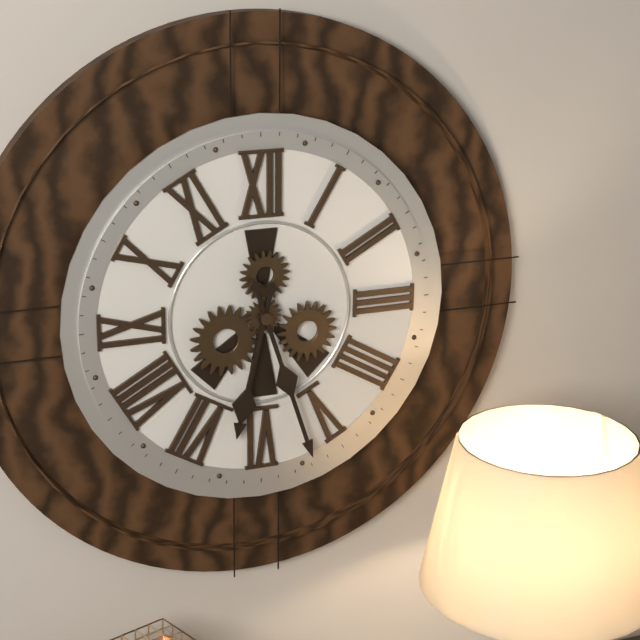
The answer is 6:27
